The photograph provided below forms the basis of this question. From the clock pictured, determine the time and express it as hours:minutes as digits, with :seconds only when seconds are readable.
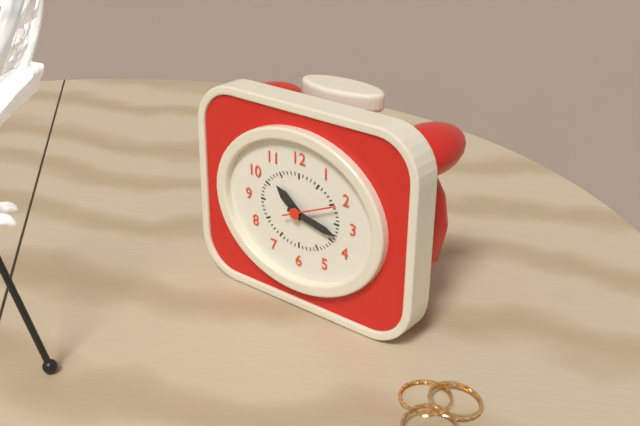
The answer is 10:17:11
